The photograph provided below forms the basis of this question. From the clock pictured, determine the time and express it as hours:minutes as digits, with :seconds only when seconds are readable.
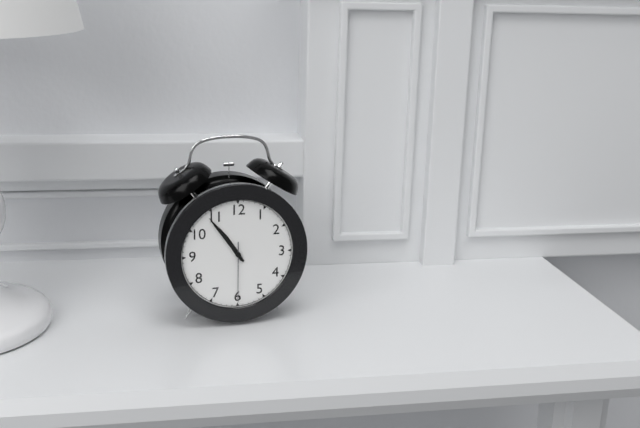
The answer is 10:54:30
